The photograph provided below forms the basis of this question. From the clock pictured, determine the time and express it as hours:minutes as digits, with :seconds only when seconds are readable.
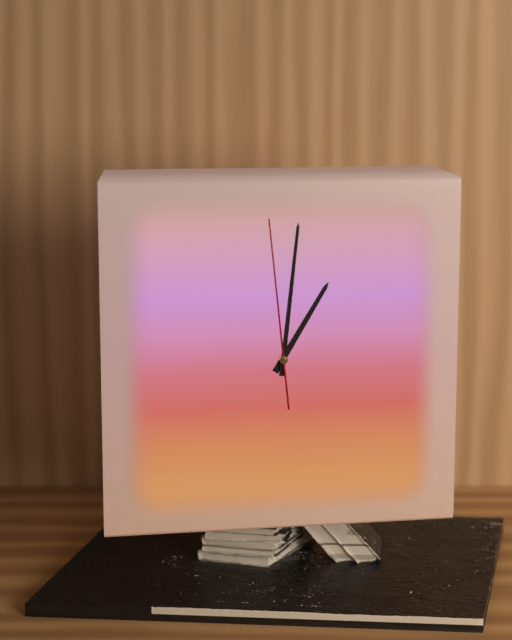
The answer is 1:01:59
